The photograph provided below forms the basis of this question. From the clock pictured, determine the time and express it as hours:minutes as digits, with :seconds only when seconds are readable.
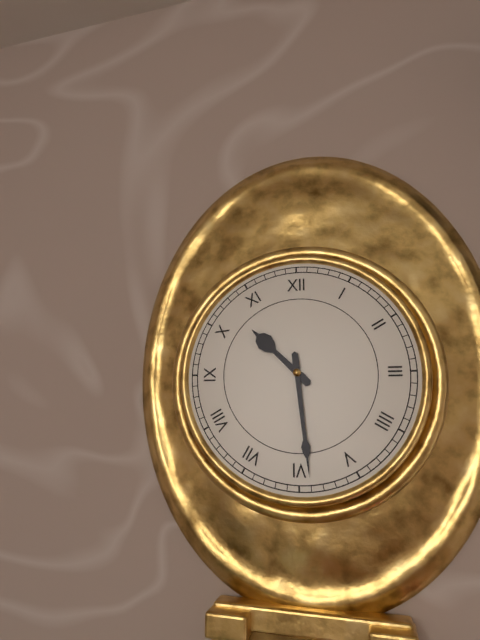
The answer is 10:29
